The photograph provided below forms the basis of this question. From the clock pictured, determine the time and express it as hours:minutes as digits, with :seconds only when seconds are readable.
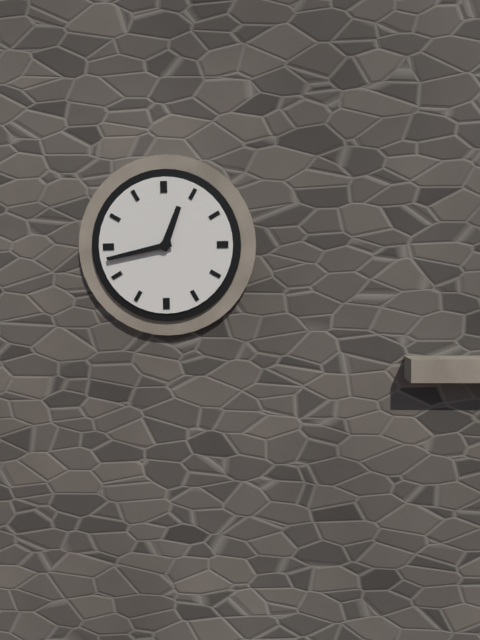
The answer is 12:43
